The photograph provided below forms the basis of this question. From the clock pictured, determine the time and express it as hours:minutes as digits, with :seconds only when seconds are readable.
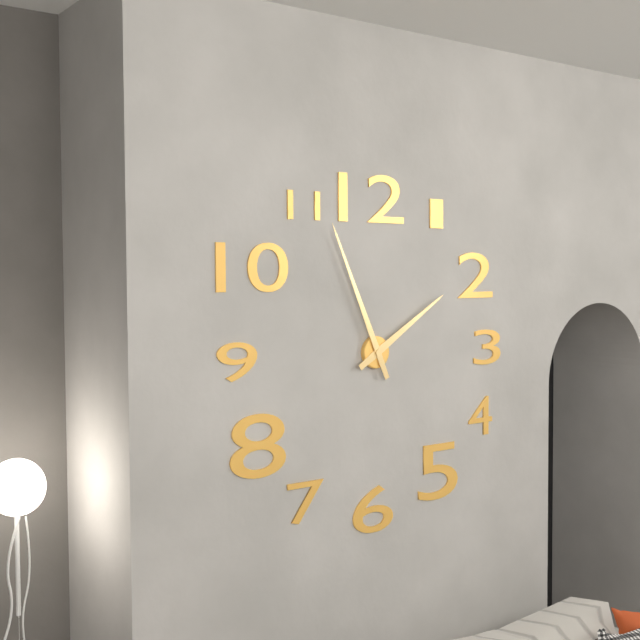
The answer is 1:56
